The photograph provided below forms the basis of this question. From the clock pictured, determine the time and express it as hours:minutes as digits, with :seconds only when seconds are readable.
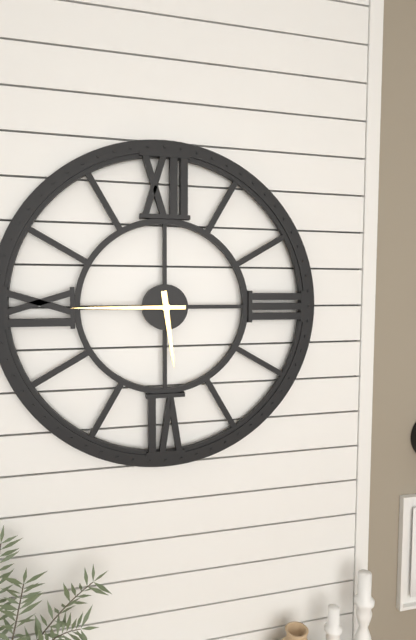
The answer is 5:45
